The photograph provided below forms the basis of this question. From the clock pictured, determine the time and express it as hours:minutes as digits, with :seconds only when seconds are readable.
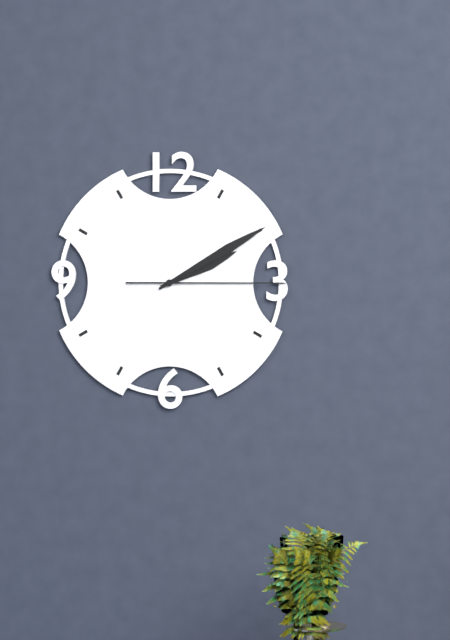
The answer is 2:10:15
